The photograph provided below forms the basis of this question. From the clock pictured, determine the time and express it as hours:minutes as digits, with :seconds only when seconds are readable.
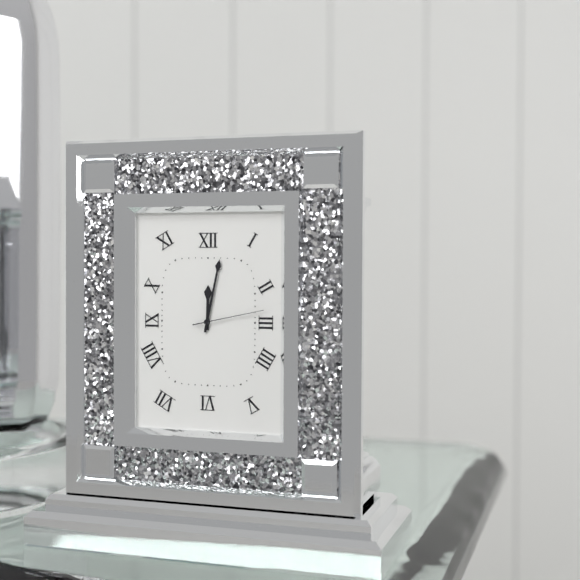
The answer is 12:02:13
